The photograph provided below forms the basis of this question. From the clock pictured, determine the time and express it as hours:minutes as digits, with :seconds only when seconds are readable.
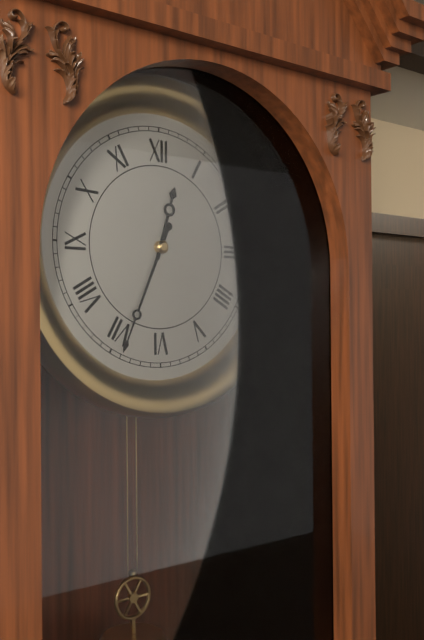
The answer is 12:34
